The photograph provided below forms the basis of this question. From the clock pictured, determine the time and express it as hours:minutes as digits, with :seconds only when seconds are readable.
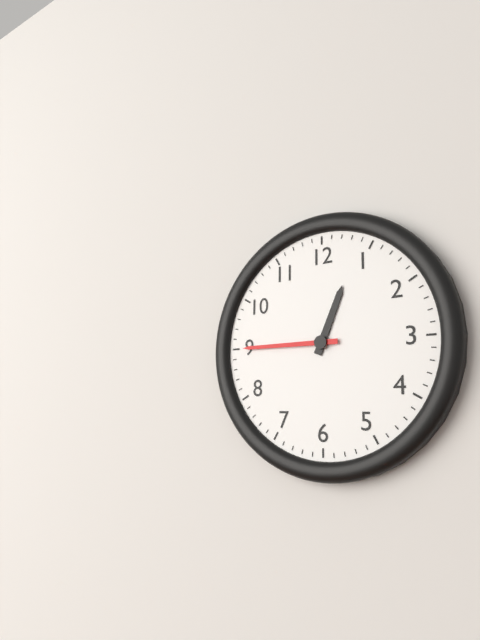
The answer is 12:45
